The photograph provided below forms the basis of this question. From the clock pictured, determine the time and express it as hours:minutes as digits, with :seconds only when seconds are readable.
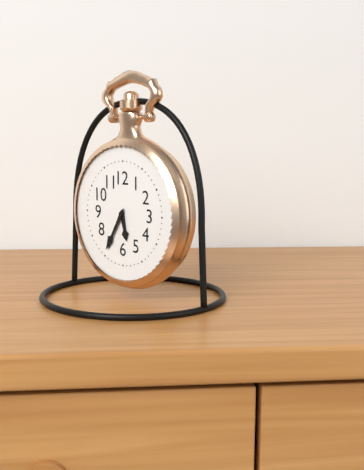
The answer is 5:35
